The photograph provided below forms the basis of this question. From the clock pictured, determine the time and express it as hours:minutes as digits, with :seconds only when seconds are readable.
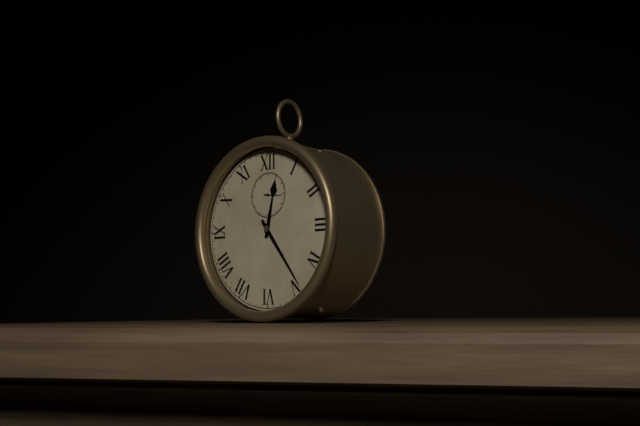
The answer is 12:24
